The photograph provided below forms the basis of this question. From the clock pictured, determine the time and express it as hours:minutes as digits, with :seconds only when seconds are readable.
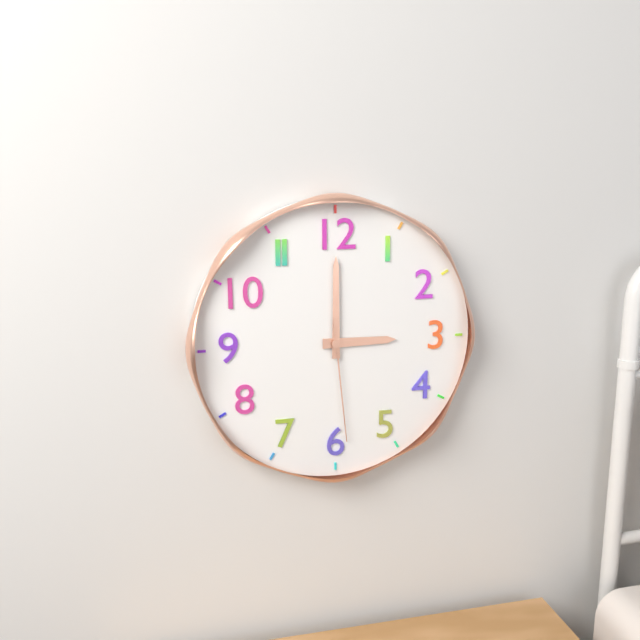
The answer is 3:00:29
